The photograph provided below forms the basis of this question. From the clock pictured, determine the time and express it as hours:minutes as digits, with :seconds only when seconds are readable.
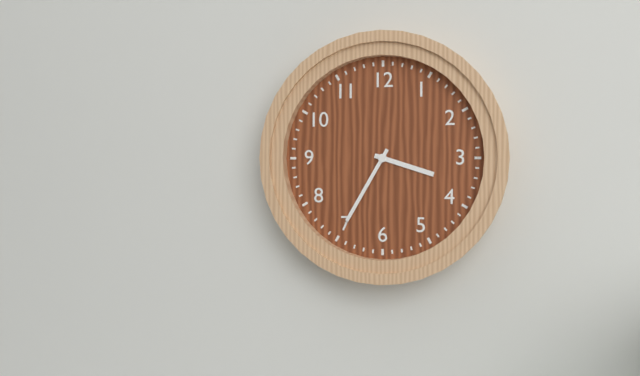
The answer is 3:35
